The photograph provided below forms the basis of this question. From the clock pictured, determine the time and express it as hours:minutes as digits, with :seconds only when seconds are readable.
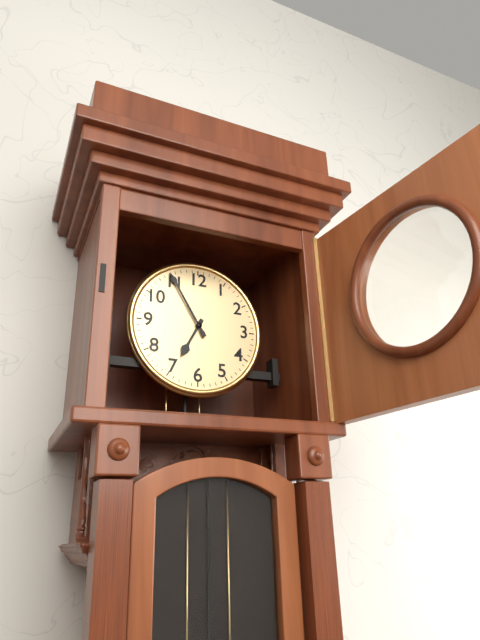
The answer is 6:55
